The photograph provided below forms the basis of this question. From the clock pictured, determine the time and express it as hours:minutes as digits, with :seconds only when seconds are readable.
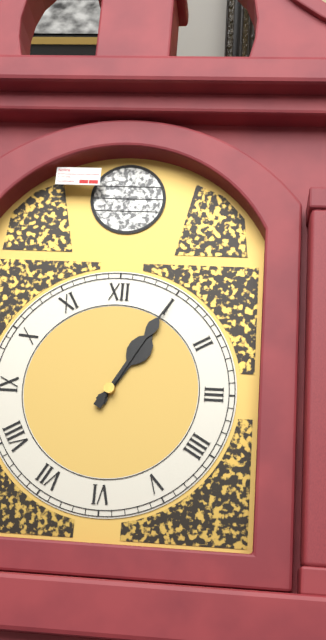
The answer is 1:05
